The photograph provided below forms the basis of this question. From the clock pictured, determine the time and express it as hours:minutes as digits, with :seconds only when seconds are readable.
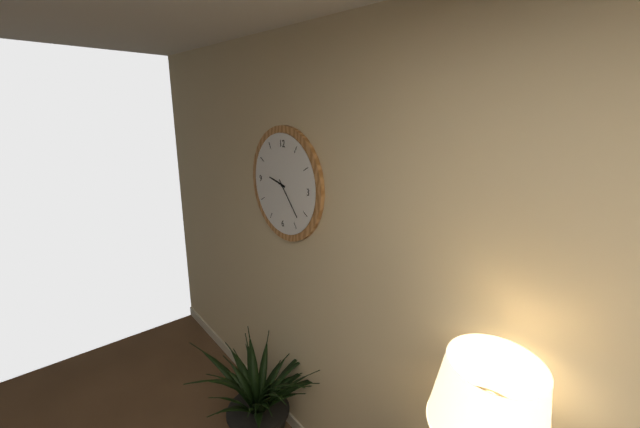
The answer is 9:23
